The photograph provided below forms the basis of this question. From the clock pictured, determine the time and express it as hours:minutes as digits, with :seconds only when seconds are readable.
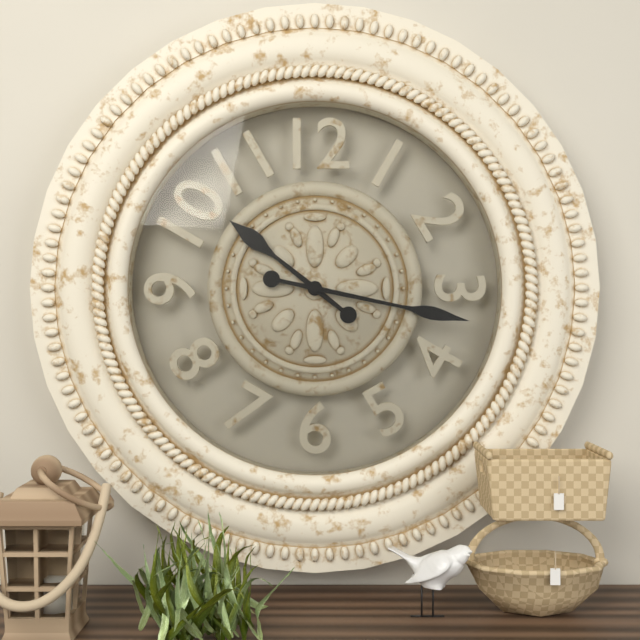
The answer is 10:17
